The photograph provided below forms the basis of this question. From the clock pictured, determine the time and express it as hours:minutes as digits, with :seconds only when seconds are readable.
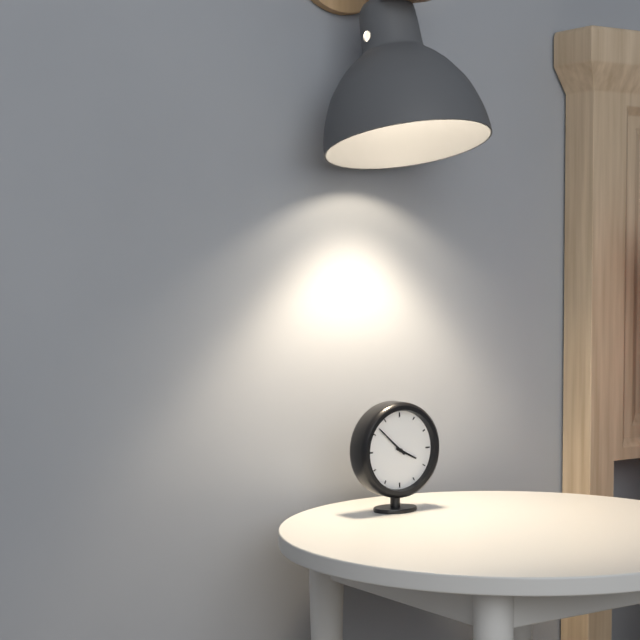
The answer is 3:52
